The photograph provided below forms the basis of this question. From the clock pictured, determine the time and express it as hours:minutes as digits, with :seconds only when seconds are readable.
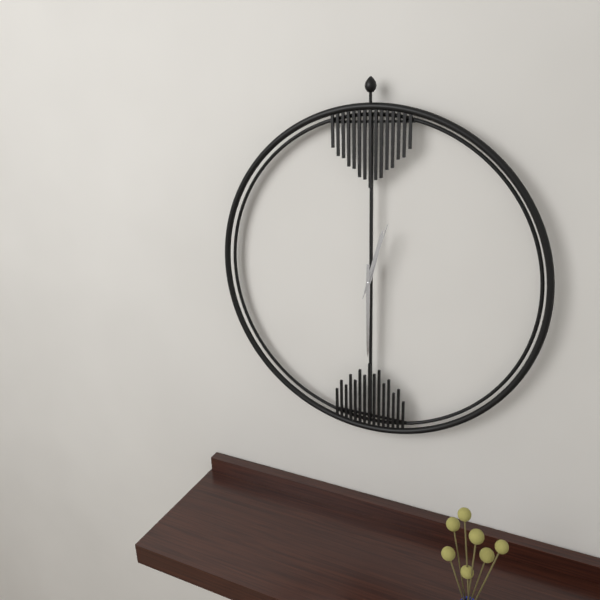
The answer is 12:30:03
